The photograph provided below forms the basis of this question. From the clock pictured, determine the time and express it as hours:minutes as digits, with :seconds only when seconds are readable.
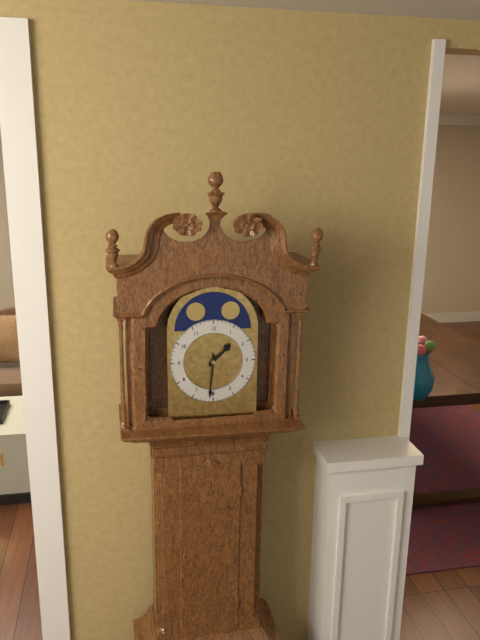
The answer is 1:31
